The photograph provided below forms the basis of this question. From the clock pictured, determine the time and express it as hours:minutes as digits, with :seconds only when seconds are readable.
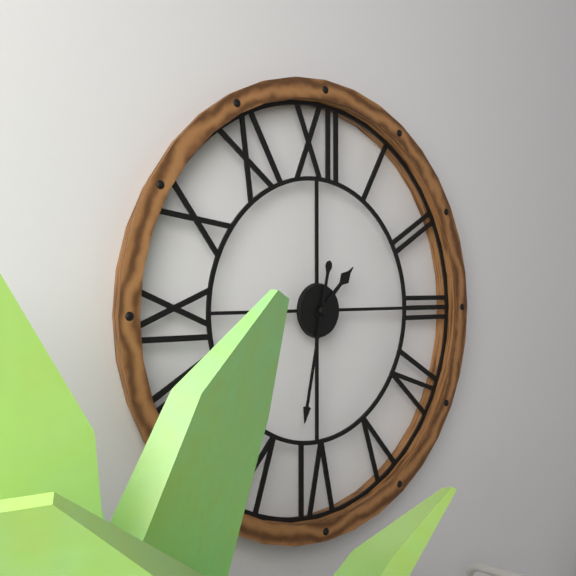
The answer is 1:32
